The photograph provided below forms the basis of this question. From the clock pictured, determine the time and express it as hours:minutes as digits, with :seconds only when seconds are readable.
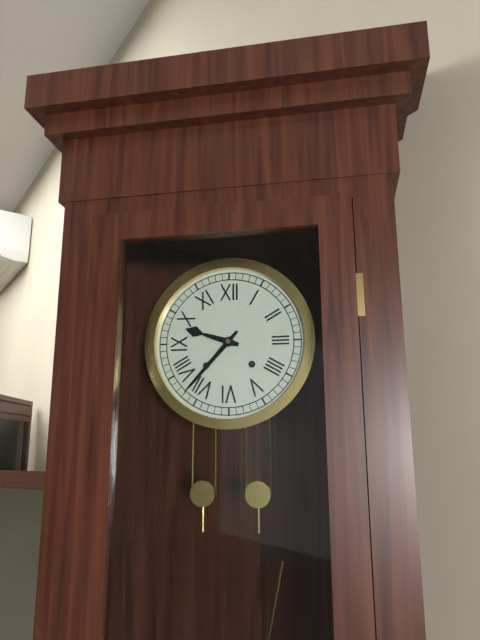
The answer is 9:37
